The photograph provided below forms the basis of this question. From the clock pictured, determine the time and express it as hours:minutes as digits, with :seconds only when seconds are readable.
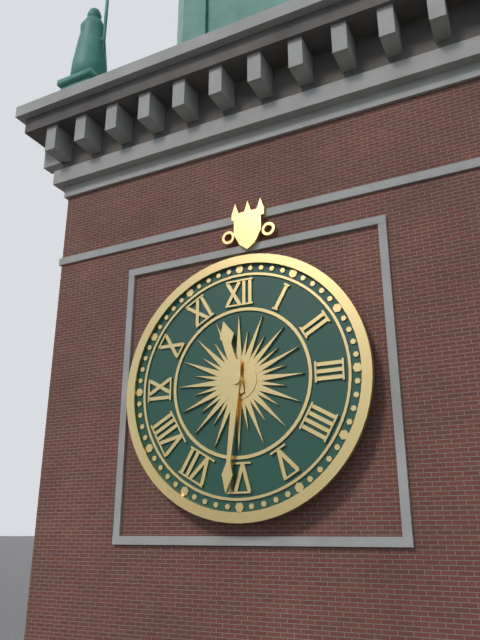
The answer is 11:31
